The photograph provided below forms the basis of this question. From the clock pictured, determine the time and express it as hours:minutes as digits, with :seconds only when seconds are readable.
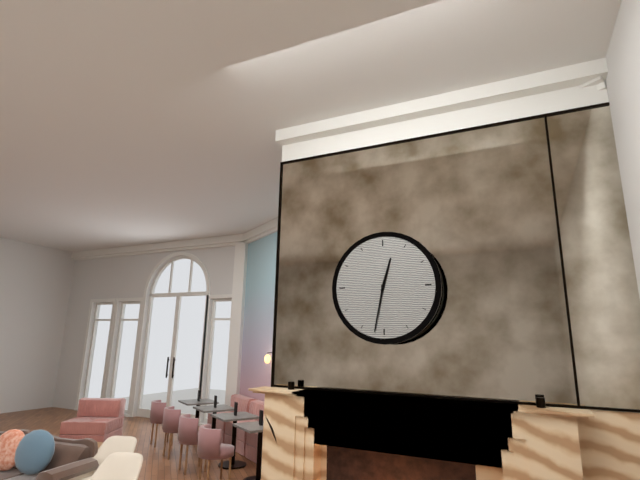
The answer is 12:32
